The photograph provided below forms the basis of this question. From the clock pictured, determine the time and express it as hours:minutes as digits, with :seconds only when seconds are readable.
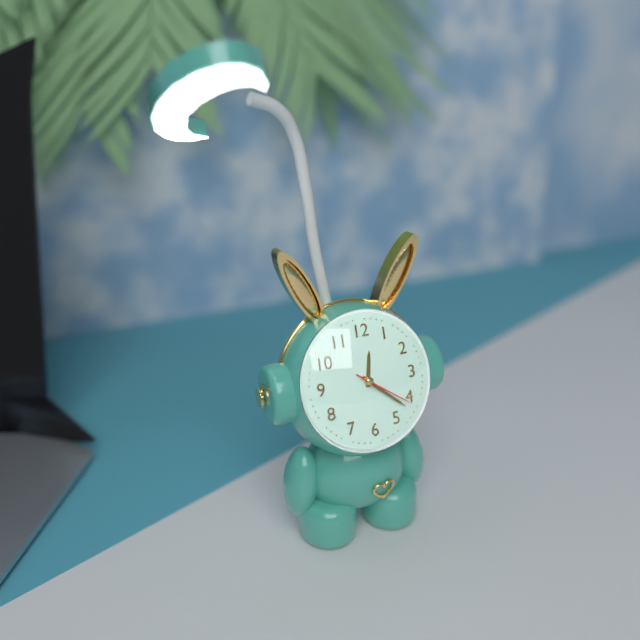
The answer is 12:22:21
